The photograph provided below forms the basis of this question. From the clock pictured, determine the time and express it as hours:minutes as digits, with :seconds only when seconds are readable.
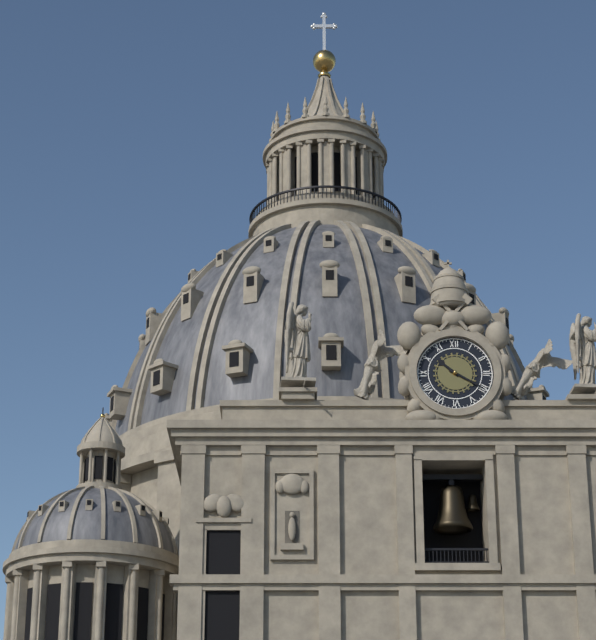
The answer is 10:20
